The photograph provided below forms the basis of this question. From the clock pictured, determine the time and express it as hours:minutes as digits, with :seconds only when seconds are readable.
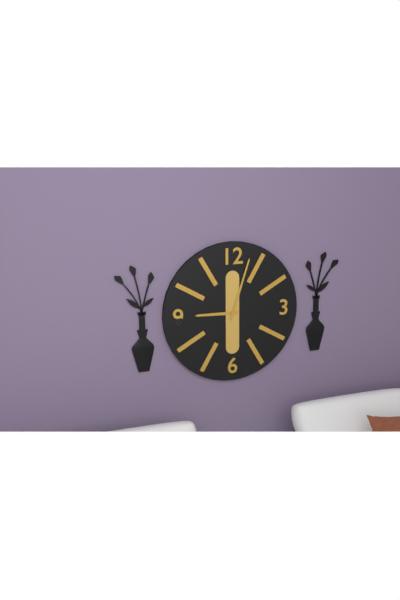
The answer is 9:03
